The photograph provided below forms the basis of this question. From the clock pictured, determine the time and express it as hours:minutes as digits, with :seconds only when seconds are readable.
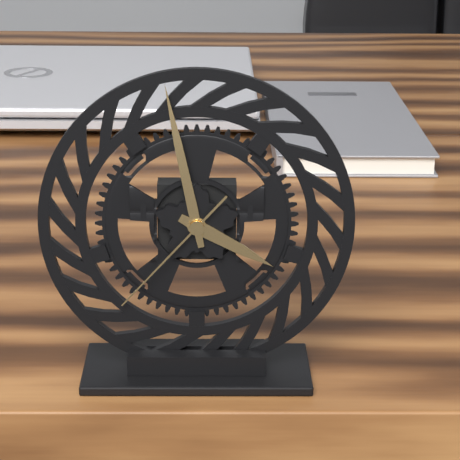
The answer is 3:58:37
